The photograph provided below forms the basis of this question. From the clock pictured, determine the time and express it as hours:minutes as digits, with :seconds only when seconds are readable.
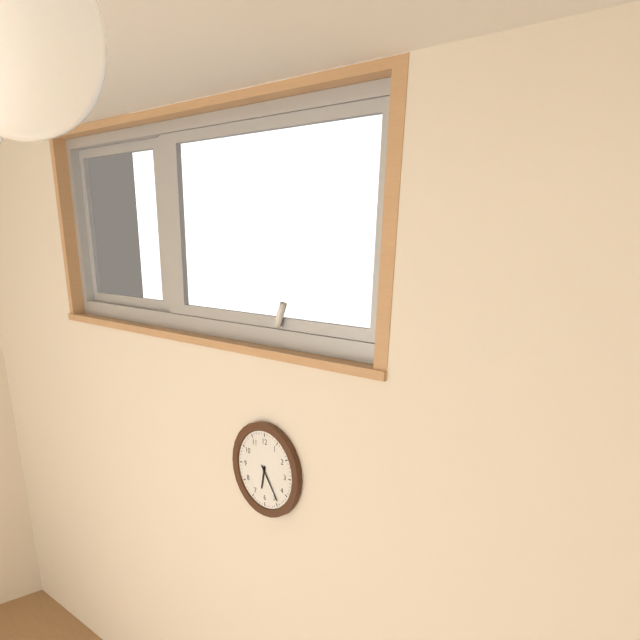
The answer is 6:24
